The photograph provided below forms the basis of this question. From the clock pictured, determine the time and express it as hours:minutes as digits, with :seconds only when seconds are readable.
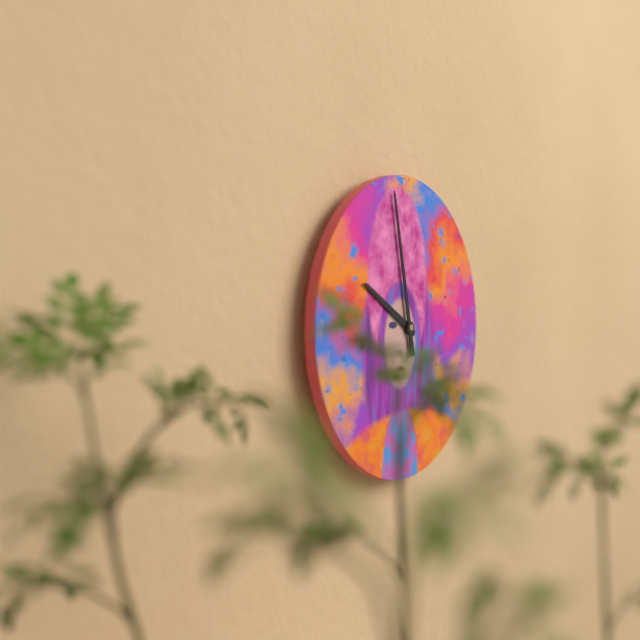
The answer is 9:58
